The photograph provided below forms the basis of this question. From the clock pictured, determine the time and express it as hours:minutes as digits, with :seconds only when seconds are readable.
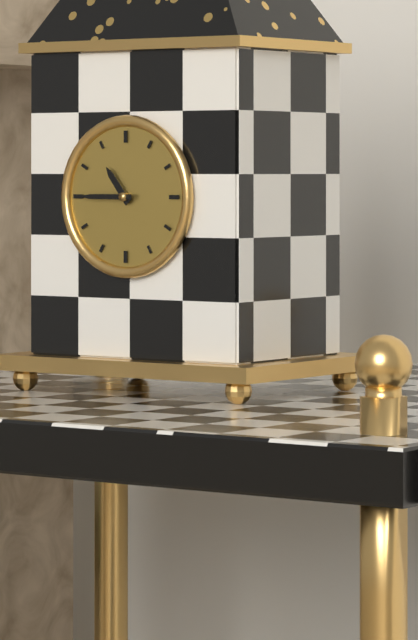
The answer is 10:45
